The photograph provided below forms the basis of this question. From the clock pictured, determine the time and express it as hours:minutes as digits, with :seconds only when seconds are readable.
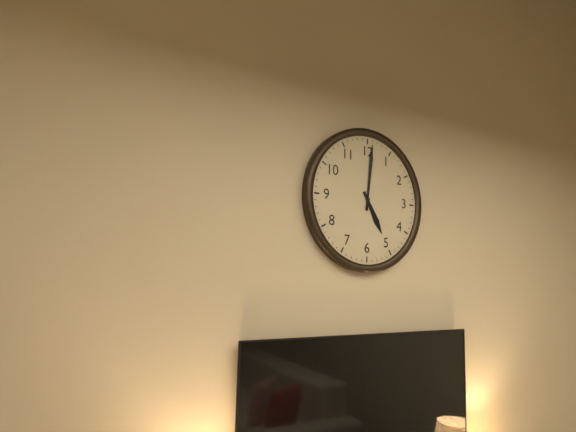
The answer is 5:01
